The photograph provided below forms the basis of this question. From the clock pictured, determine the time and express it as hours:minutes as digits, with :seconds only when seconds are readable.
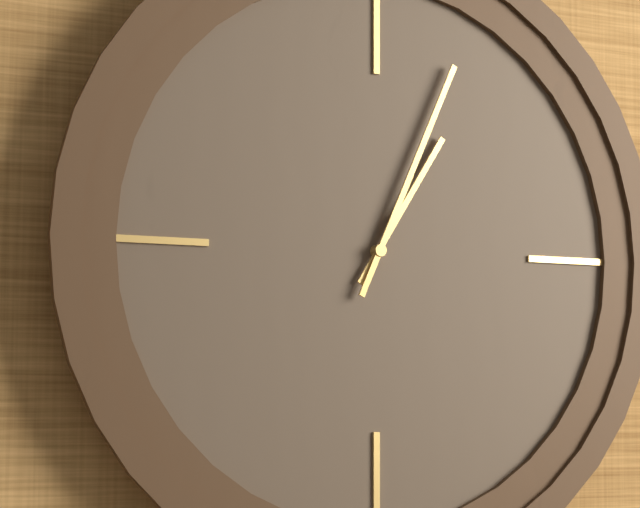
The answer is 1:04
